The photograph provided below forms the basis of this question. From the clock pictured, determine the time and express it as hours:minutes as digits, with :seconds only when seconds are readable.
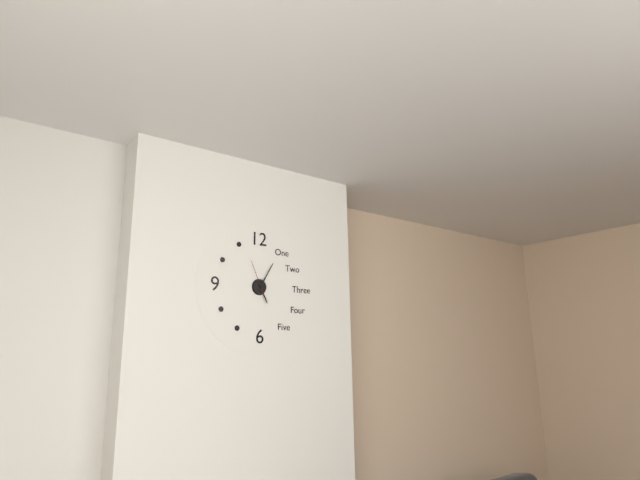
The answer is 5:05
